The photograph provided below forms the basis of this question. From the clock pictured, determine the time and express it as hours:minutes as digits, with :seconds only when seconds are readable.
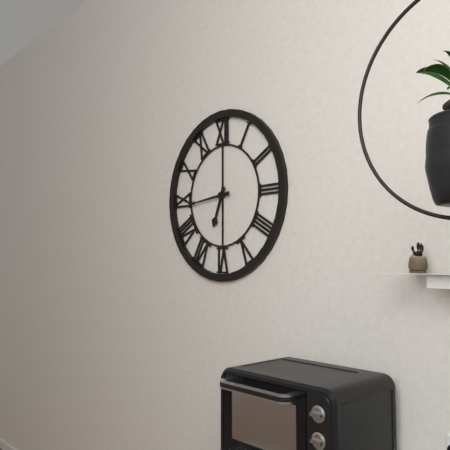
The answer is 6:44
